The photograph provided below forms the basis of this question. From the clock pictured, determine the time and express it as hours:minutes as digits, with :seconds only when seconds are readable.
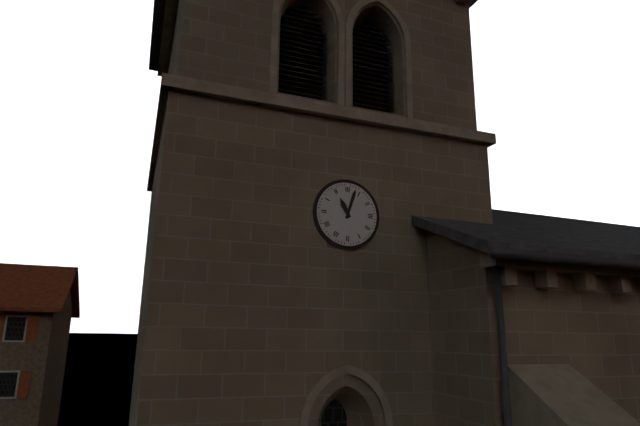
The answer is 11:03
